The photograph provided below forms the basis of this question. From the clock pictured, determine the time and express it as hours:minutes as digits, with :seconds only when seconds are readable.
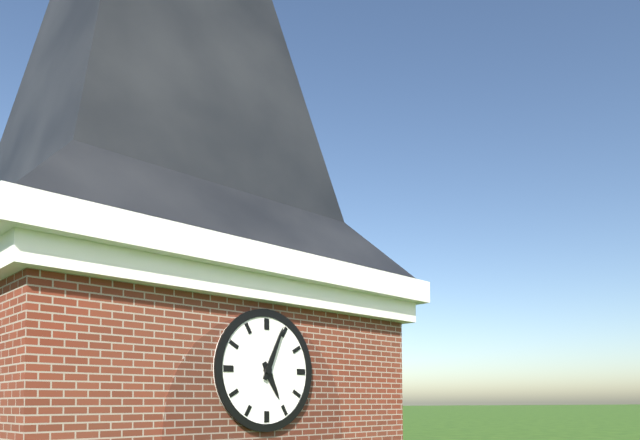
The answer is 5:04
